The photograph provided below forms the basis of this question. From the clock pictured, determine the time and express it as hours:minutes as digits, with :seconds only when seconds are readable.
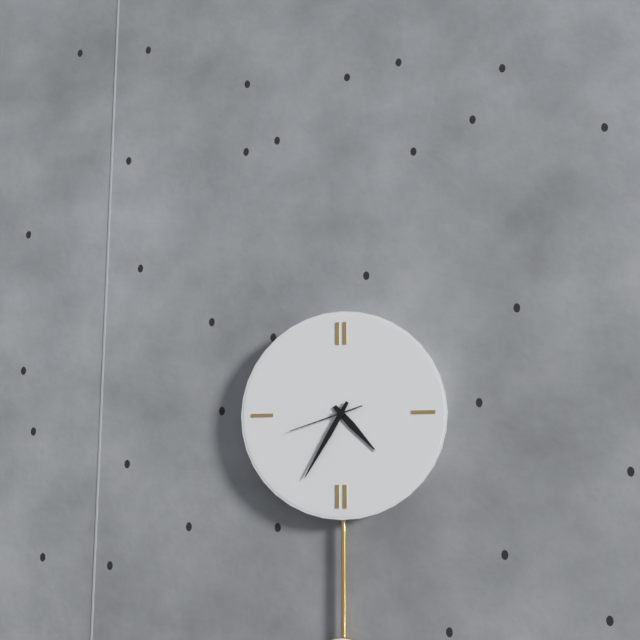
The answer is 4:35:42
